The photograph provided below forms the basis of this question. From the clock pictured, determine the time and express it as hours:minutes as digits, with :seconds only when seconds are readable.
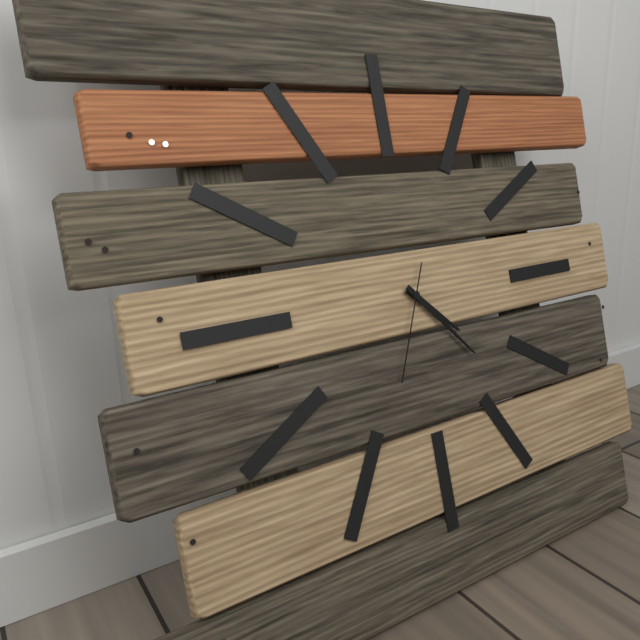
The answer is 4:23:34
